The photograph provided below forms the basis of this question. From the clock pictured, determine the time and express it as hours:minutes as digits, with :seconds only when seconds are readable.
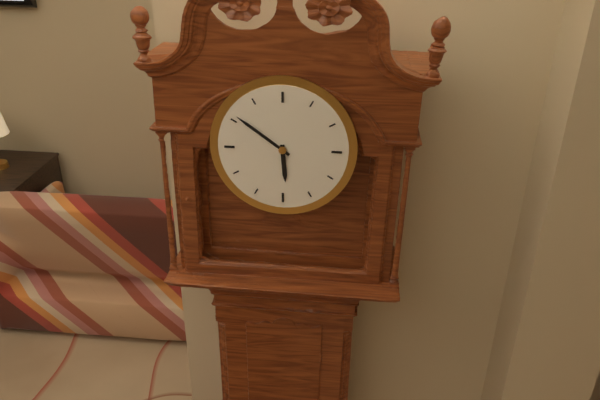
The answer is 5:51
